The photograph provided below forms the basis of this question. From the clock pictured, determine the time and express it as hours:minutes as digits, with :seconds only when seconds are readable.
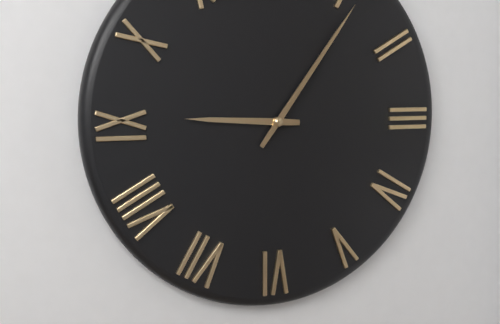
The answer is 9:06
